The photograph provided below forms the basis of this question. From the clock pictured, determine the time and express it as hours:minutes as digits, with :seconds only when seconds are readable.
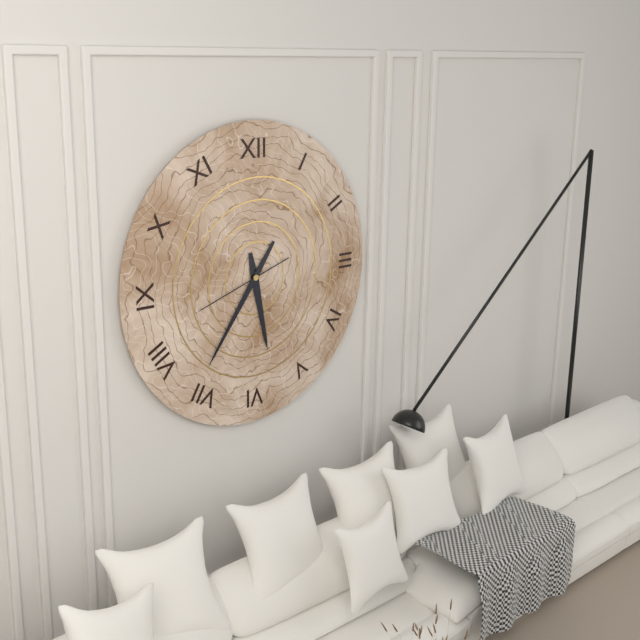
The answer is 5:36:42
